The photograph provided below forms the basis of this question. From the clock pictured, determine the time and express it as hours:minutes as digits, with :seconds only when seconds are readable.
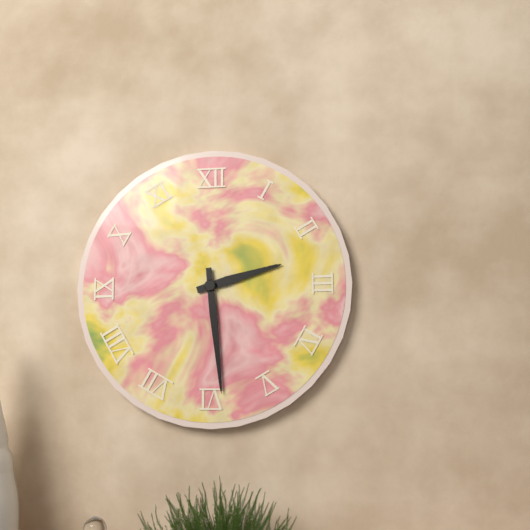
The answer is 2:29
